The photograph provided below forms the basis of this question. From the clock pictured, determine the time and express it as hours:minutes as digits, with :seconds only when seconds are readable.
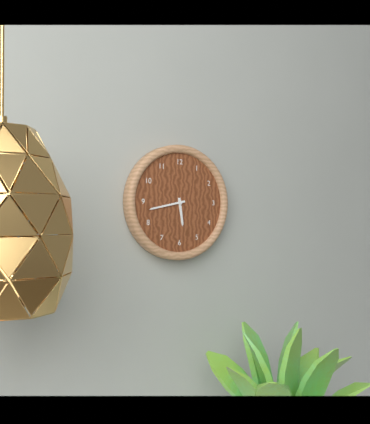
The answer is 5:43
